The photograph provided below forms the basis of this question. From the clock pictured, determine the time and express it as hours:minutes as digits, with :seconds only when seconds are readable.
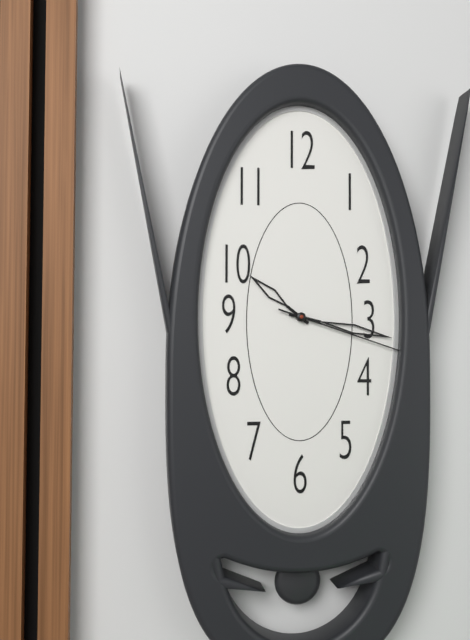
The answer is 10:17:18
